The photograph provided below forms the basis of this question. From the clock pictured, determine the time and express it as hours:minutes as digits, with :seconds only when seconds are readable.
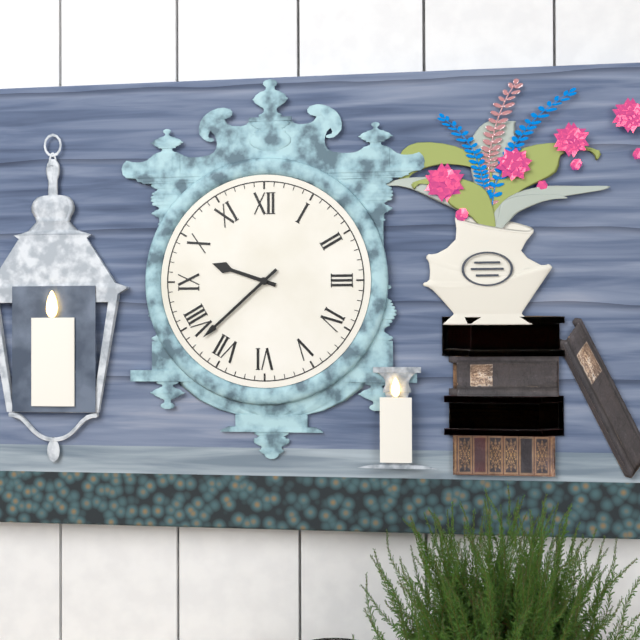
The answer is 9:38
